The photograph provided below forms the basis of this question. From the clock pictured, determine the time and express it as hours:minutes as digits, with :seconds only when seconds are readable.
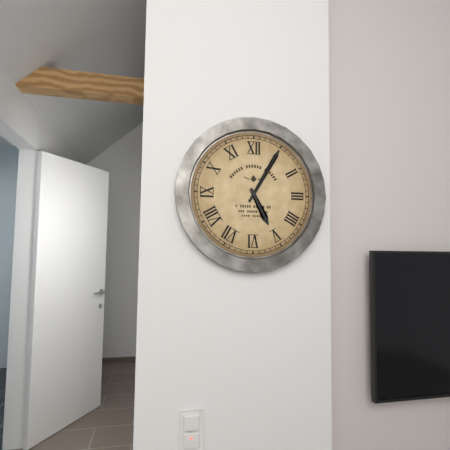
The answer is 5:05
